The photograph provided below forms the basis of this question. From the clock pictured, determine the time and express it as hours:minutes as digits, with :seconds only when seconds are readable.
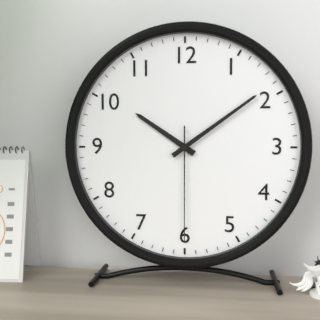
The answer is 10:09:30
